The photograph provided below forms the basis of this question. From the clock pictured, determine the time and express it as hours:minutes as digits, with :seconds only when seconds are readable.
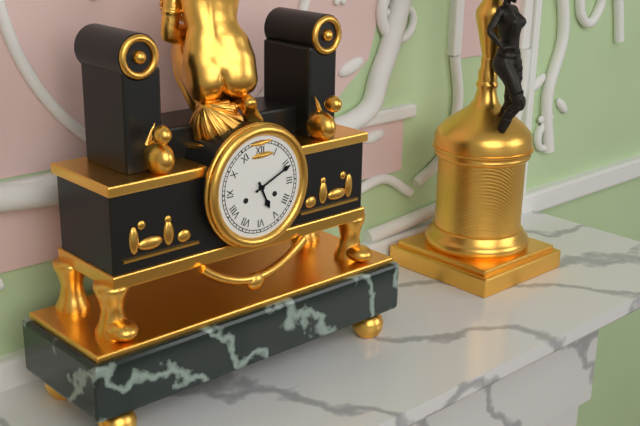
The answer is 5:11
